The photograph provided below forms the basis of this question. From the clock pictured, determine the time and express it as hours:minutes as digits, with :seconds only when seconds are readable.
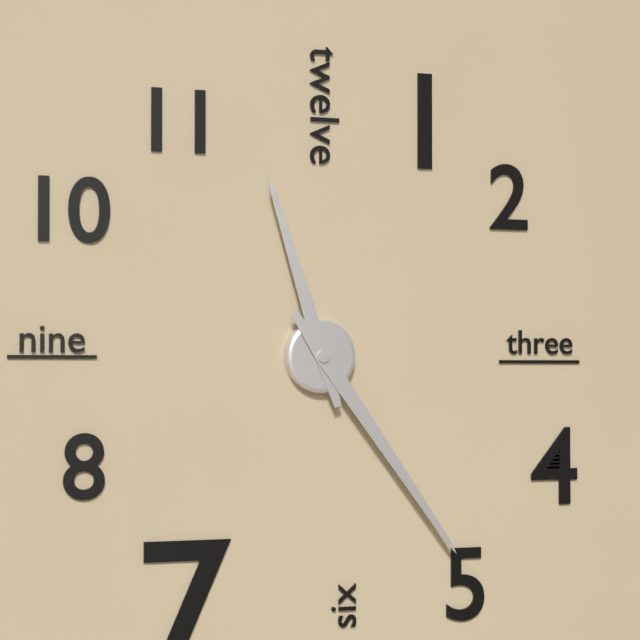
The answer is 11:24
